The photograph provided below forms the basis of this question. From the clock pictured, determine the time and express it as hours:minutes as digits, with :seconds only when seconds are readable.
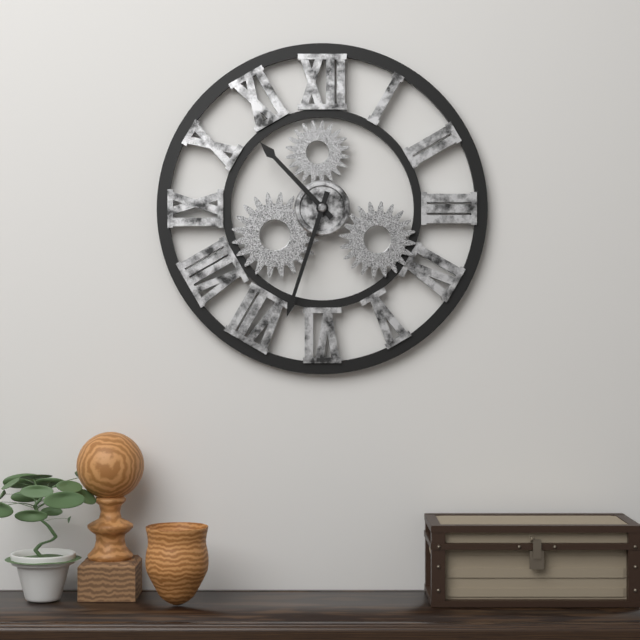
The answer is 10:33
